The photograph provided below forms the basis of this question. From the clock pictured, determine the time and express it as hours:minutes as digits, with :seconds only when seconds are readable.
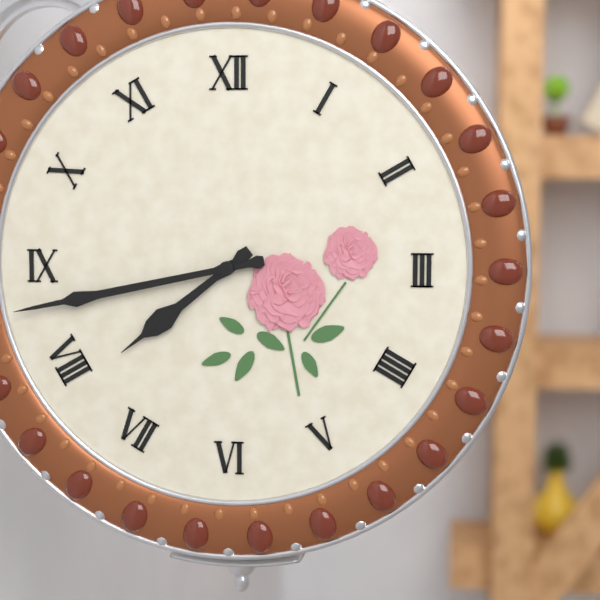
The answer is 7:43
